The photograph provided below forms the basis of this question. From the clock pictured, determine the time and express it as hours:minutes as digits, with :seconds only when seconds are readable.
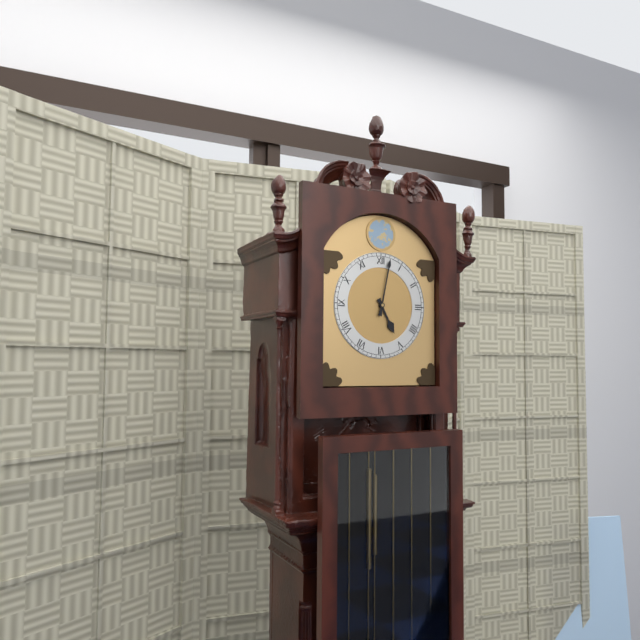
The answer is 5:02
